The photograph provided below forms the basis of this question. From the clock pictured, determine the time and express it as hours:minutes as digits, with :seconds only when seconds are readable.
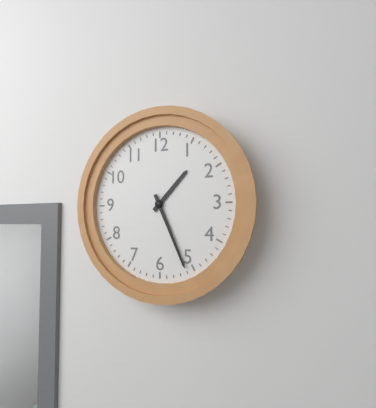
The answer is 1:26
